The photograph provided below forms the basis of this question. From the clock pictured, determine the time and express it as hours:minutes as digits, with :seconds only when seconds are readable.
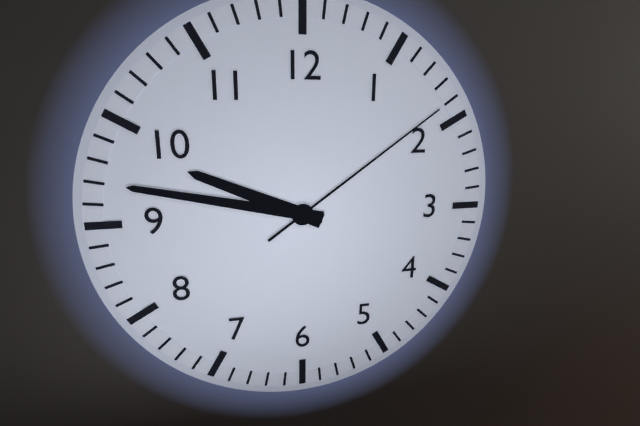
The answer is 9:47:09
